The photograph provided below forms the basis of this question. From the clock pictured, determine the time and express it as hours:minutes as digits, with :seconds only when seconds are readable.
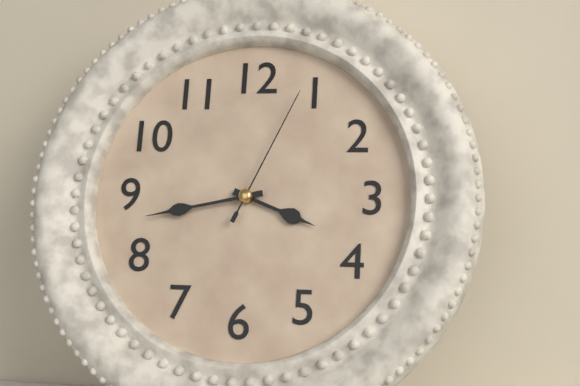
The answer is 3:43:04
